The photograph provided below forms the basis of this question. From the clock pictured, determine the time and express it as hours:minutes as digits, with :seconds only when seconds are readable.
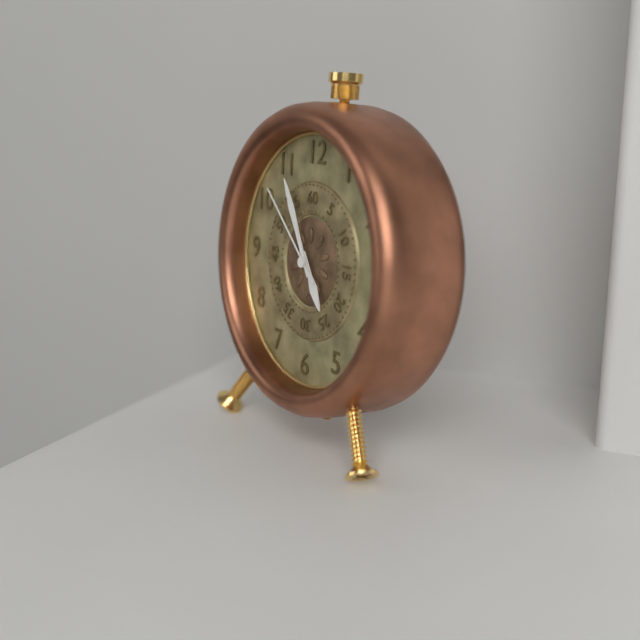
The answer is 4:55:52
